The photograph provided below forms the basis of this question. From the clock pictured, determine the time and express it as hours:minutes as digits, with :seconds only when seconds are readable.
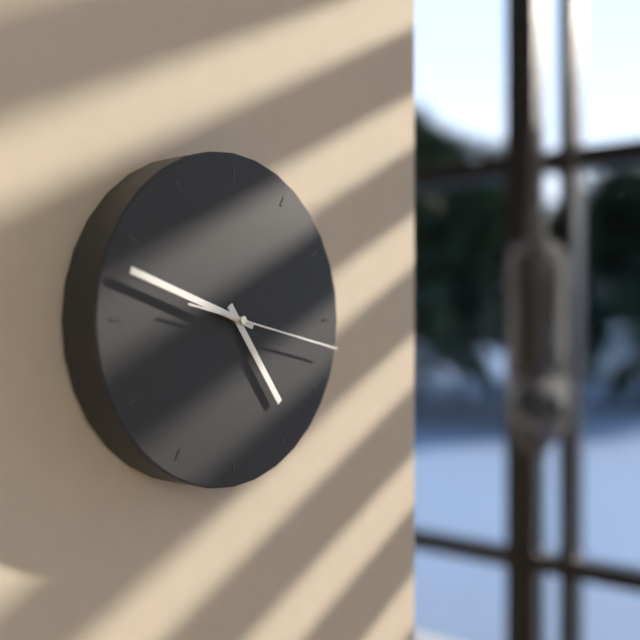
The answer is 4:48:17
